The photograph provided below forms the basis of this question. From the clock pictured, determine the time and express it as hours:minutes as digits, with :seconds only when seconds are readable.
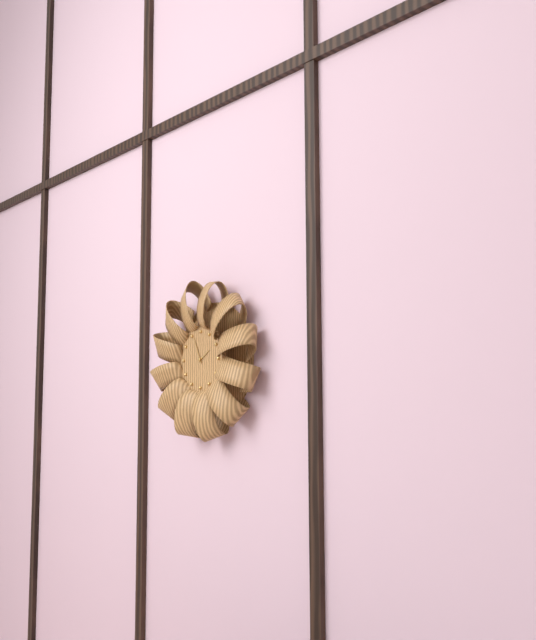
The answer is 1:56
